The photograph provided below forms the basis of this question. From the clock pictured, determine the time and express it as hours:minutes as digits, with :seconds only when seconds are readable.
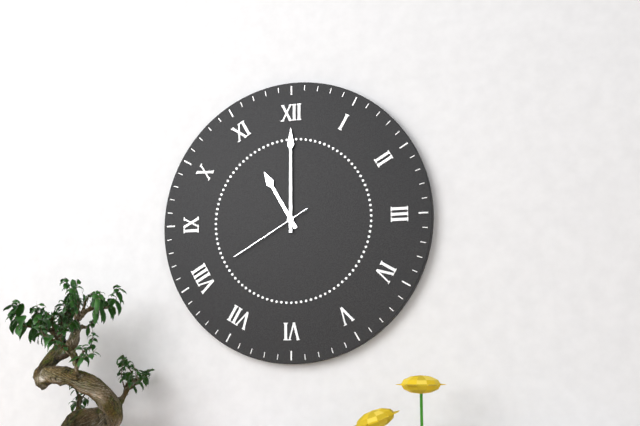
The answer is 11:00:40
